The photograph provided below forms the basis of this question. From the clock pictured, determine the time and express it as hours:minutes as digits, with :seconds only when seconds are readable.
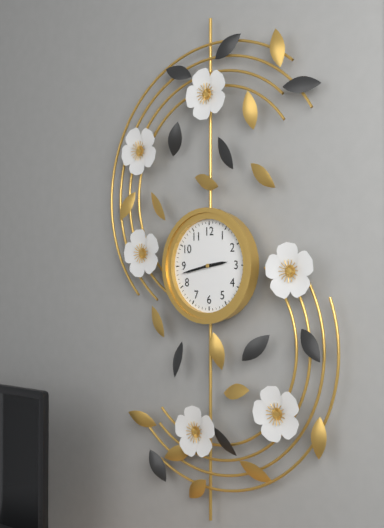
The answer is 2:43
